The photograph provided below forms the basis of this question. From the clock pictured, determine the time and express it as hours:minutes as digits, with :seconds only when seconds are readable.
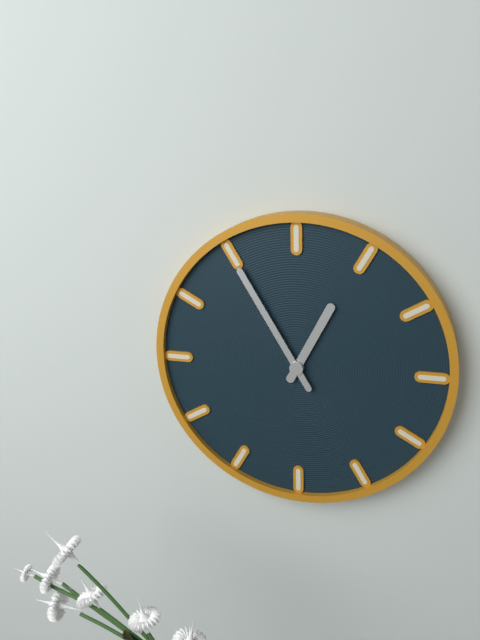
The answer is 12:55
